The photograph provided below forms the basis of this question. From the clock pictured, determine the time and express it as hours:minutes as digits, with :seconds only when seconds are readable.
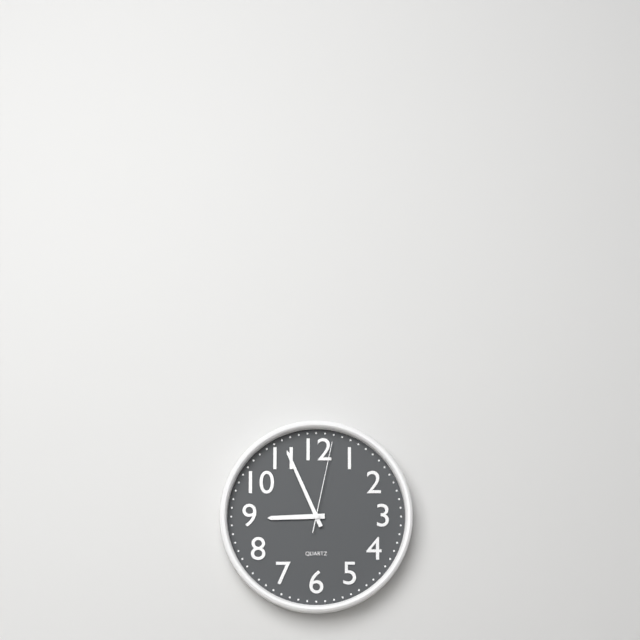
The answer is 8:56:02
